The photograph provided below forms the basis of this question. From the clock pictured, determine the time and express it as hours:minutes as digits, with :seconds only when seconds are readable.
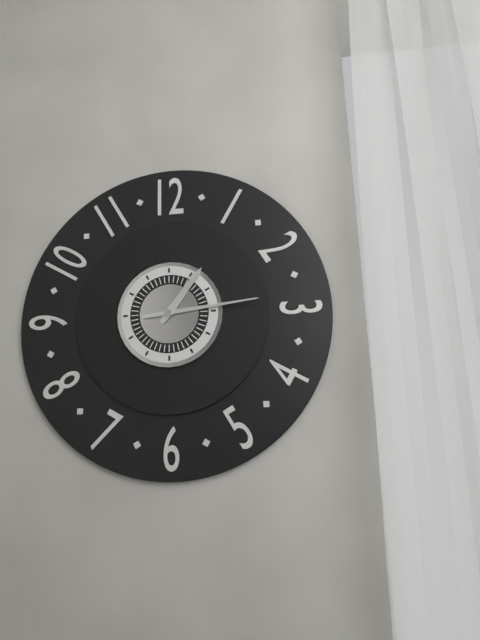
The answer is 1:14
